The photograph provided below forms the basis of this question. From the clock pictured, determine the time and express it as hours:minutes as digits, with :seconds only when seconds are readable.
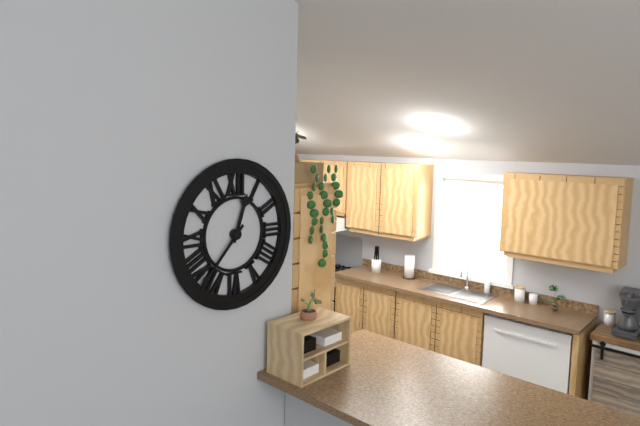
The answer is 12:37
